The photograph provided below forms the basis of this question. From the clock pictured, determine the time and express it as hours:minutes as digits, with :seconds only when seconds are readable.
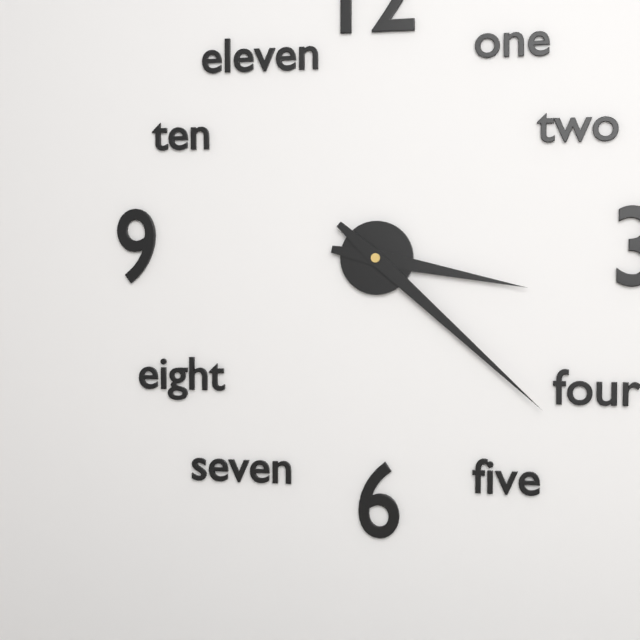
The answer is 3:22
